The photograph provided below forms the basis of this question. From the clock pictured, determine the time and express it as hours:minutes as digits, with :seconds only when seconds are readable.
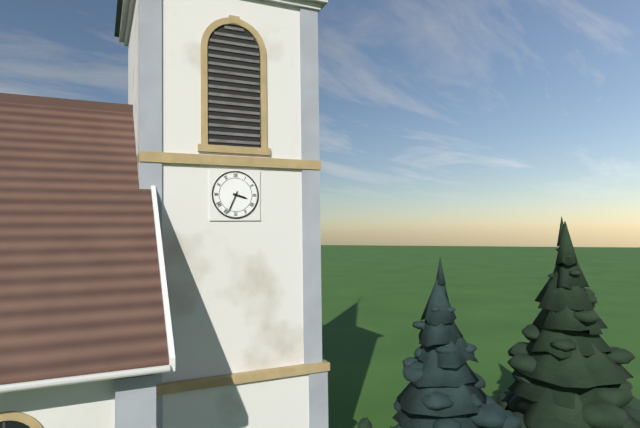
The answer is 3:34
